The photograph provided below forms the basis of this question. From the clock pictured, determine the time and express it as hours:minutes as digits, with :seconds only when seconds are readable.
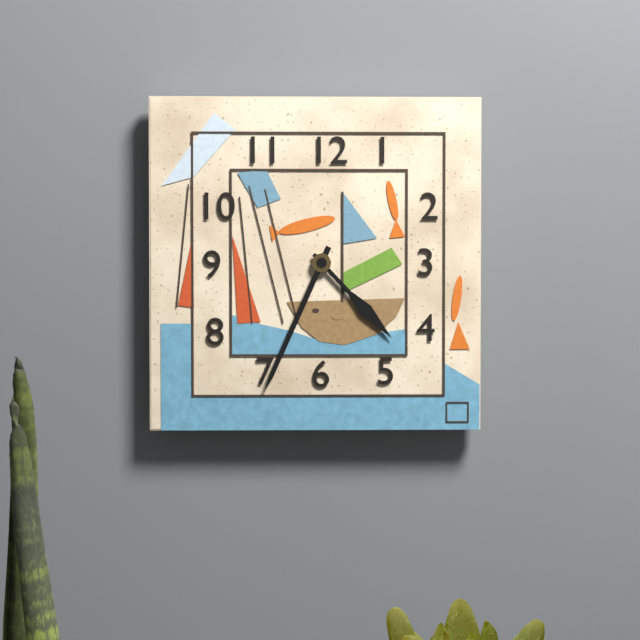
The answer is 4:34
